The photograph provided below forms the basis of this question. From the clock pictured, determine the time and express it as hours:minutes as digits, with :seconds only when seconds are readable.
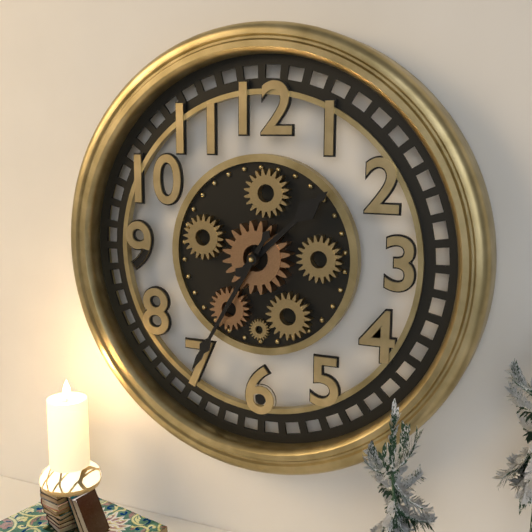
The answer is 1:35
